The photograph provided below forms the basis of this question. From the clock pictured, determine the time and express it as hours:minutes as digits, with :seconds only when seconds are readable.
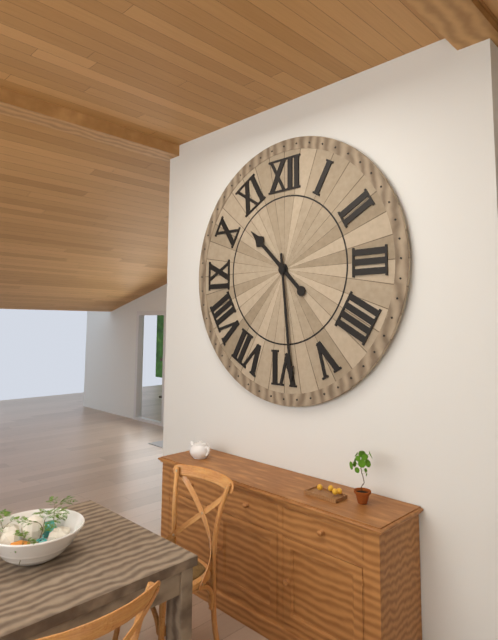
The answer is 10:29
